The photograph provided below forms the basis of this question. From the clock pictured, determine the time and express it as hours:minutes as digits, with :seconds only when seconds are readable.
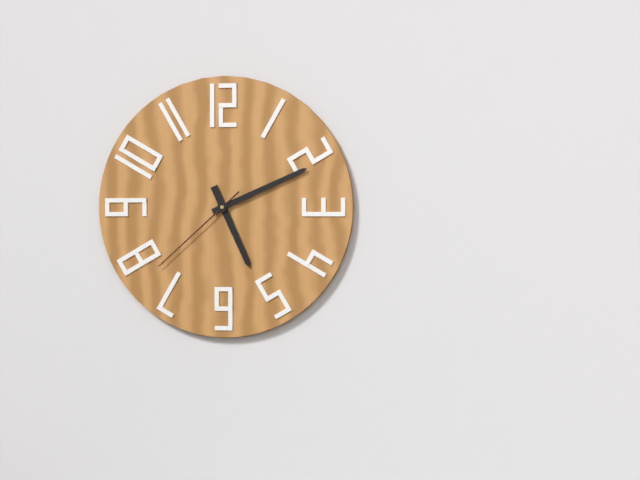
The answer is 5:11:38
